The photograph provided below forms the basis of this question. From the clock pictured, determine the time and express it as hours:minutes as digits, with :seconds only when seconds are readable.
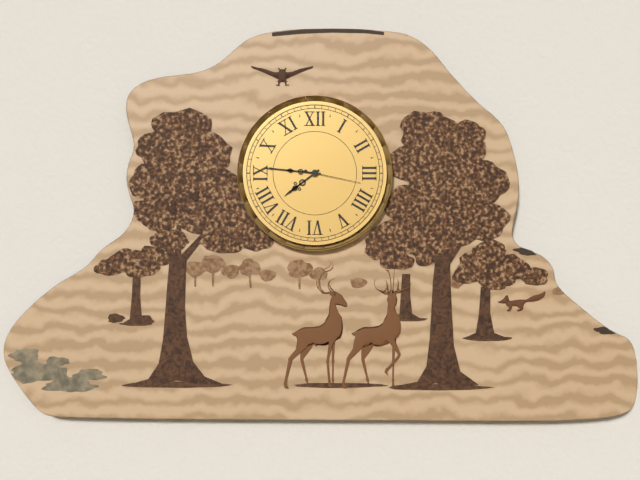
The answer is 7:46:17
